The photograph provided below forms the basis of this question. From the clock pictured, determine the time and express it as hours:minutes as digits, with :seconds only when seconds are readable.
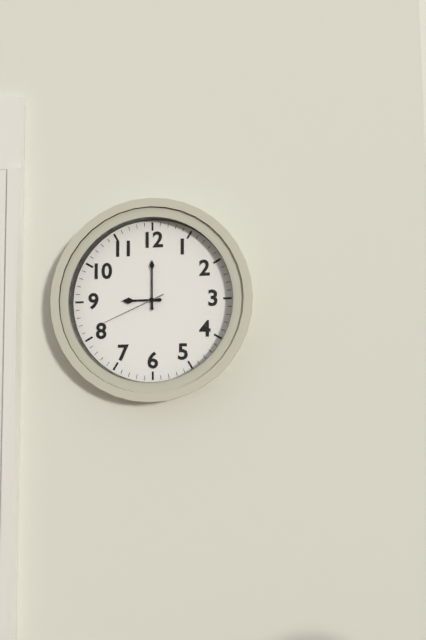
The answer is 9:00:41
